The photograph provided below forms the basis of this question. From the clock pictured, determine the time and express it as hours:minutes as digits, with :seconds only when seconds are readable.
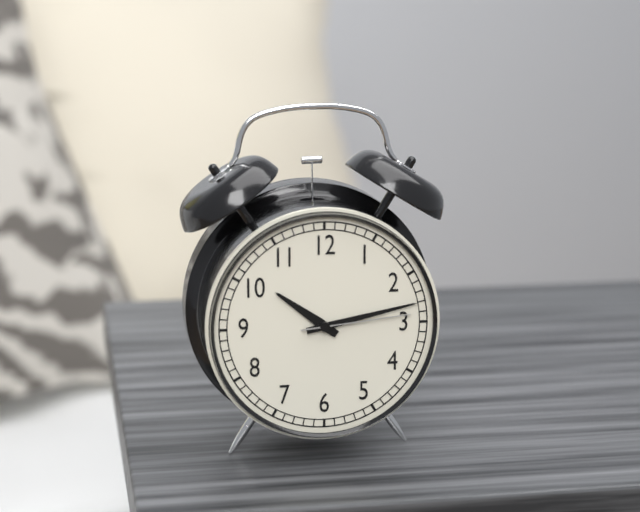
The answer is 10:13:14
